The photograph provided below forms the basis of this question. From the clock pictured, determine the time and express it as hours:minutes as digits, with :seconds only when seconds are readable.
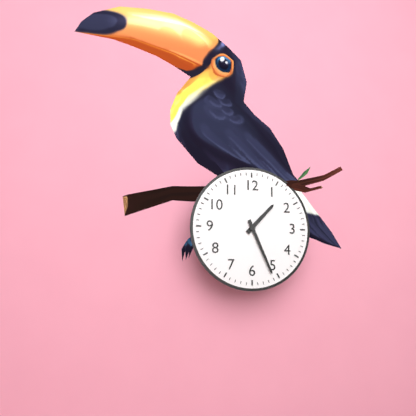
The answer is 1:26
